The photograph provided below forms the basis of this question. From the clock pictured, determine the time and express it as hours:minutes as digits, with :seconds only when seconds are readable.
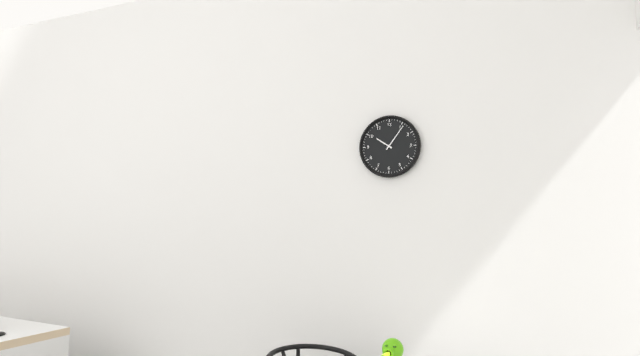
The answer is 10:06
